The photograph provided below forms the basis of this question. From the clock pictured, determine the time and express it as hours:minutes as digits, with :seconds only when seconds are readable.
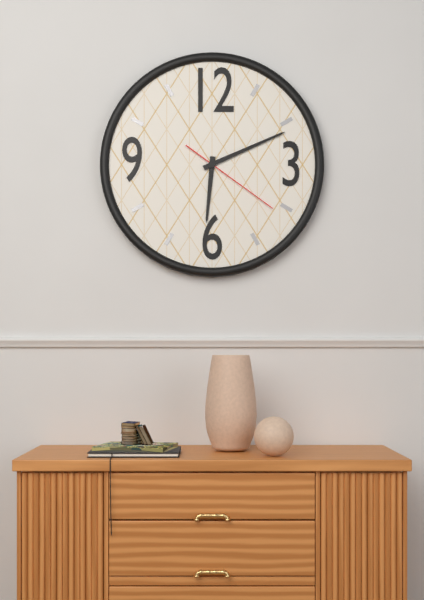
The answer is 6:11:21
